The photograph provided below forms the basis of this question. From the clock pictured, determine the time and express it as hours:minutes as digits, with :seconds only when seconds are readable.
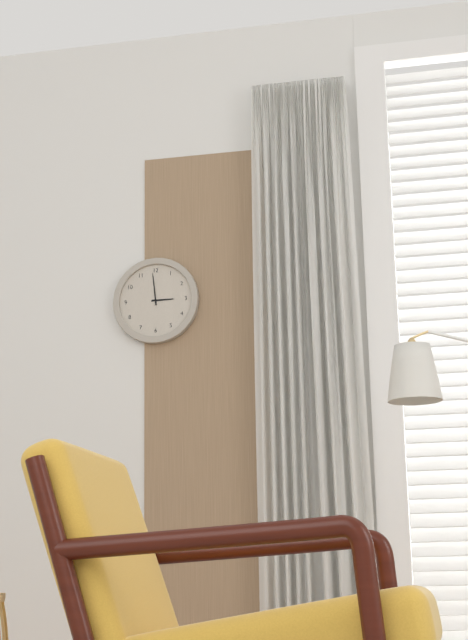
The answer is 2:59
